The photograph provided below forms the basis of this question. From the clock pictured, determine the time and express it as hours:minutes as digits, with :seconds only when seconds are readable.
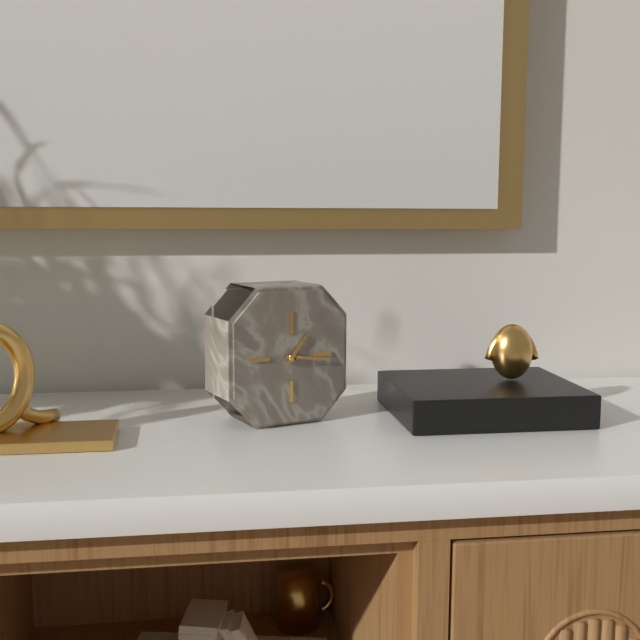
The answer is 1:16
